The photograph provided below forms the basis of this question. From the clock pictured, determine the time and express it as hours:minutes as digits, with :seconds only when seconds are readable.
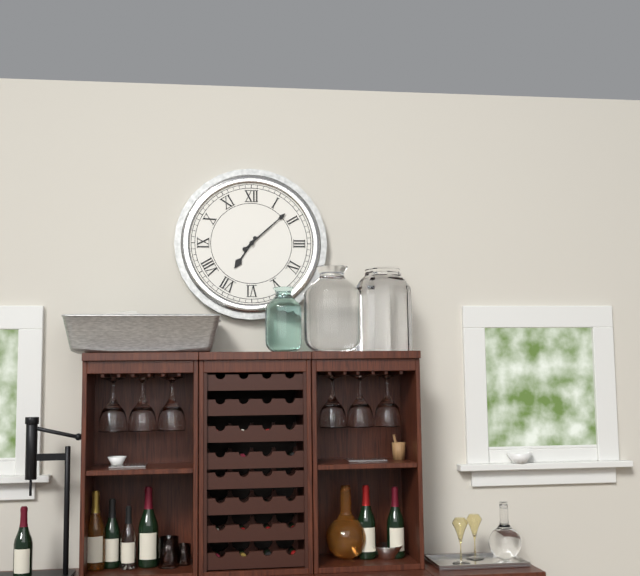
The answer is 7:08
